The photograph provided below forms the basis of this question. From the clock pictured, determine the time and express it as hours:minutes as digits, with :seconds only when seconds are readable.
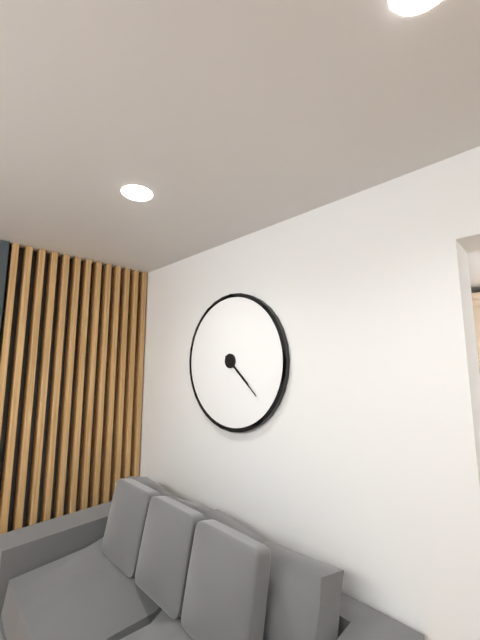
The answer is 4:22
